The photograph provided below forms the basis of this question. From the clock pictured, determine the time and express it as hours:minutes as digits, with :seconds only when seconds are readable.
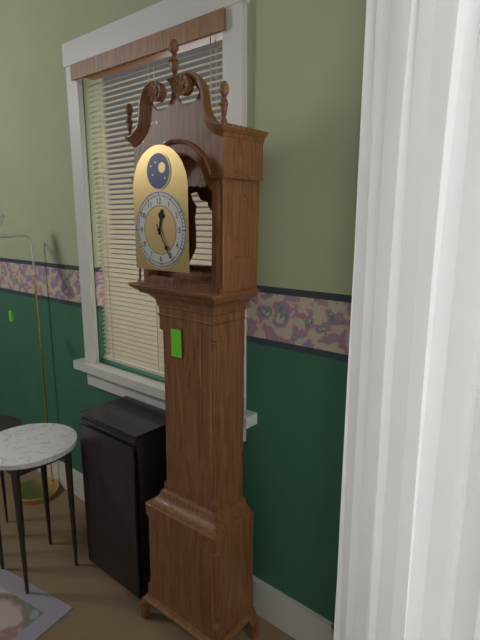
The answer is 12:25
